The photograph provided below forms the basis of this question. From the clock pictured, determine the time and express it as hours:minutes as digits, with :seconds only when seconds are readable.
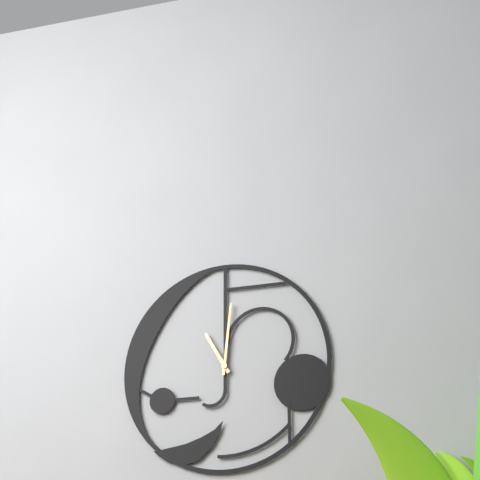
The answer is 11:01
